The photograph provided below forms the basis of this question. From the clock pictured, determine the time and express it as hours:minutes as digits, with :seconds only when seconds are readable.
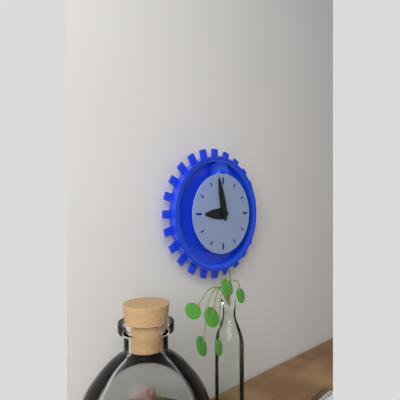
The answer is 8:58
